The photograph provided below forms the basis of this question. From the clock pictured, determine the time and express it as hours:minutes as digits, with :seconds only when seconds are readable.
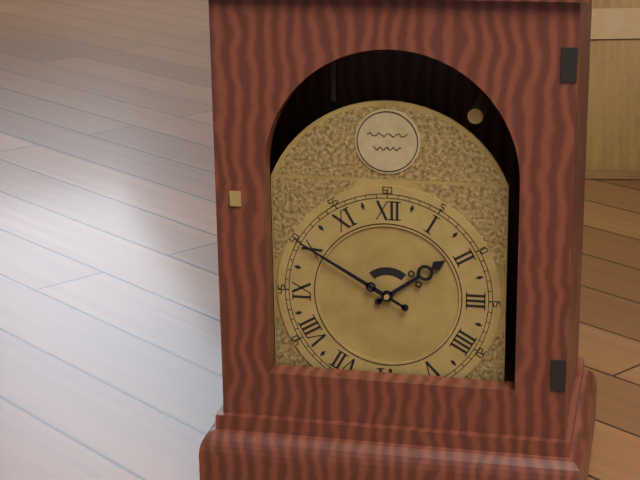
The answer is 1:50
